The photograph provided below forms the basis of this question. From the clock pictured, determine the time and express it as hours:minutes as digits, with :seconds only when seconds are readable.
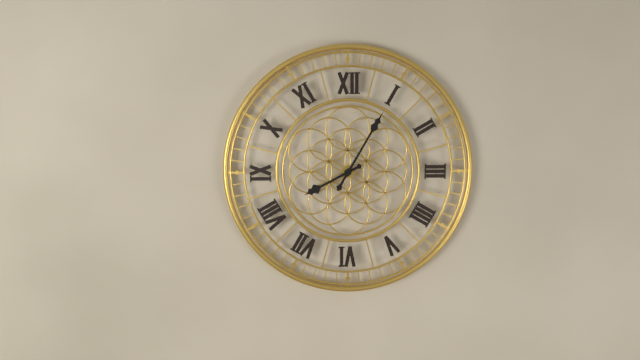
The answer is 8:05
